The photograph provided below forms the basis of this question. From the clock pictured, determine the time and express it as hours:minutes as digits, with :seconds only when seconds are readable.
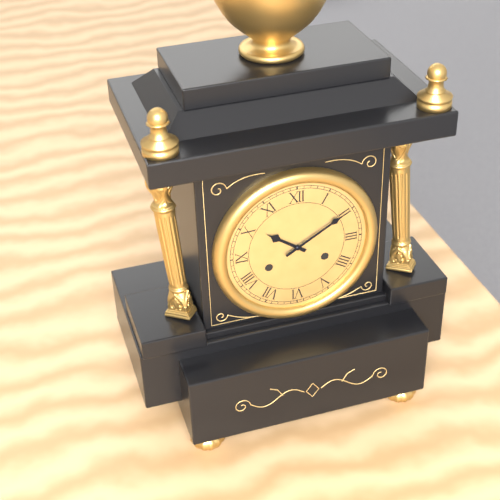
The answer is 10:10
